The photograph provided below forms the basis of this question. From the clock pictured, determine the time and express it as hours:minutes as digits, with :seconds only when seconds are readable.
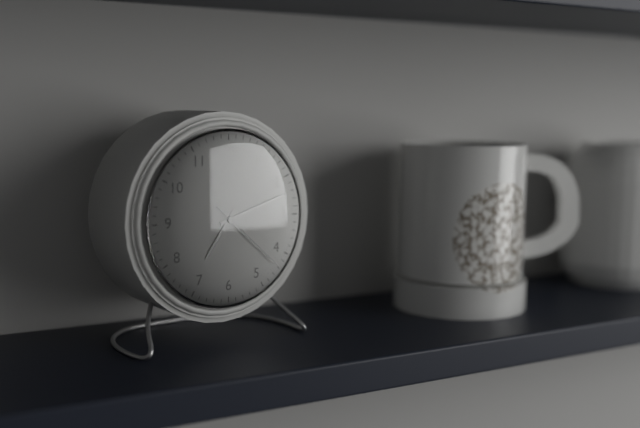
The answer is 7:12:22
